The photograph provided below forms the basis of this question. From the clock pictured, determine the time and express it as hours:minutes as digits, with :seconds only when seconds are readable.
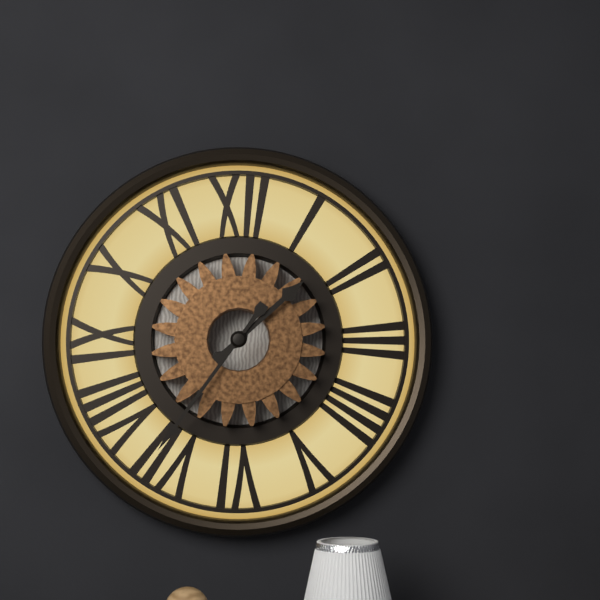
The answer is 1:36
